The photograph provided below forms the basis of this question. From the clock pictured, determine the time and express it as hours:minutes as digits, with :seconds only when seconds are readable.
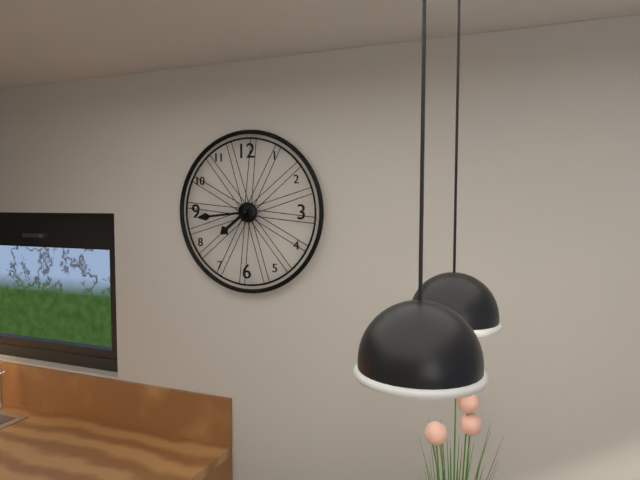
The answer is 7:44
